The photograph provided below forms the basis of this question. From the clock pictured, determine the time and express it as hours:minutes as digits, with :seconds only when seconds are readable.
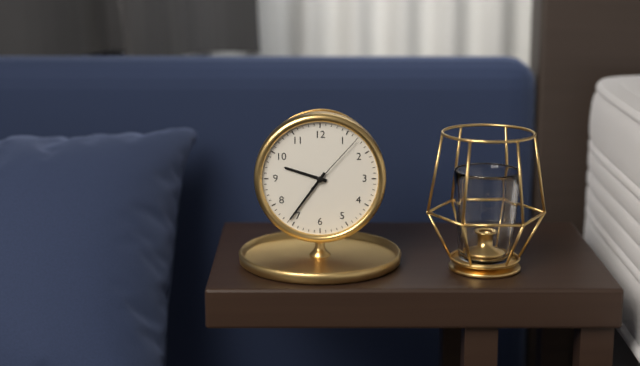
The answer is 9:36:07
